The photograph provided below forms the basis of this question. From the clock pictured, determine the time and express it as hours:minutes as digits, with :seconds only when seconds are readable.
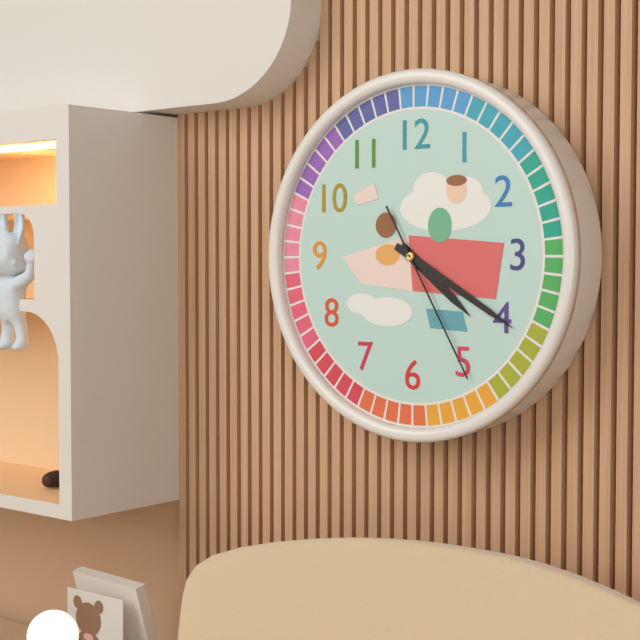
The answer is 4:20:25
